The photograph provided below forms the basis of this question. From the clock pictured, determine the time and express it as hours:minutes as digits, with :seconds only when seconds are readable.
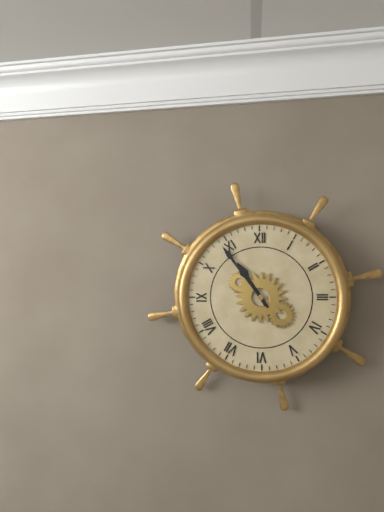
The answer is 10:54
